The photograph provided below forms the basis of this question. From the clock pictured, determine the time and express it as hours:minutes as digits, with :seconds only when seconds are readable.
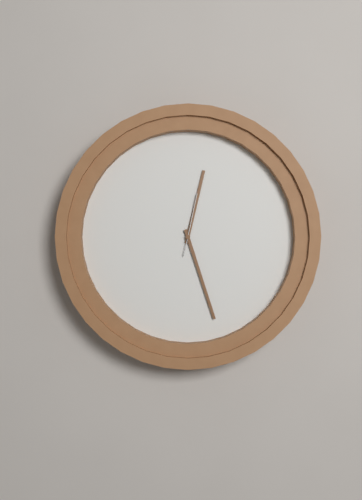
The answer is 12:27:02
